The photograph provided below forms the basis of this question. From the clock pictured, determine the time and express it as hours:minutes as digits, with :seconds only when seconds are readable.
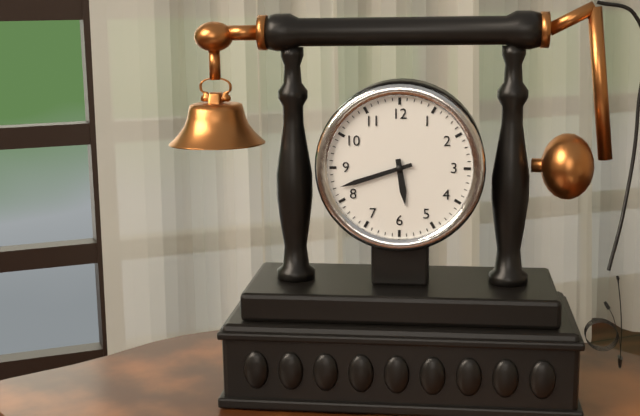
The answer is 5:42
